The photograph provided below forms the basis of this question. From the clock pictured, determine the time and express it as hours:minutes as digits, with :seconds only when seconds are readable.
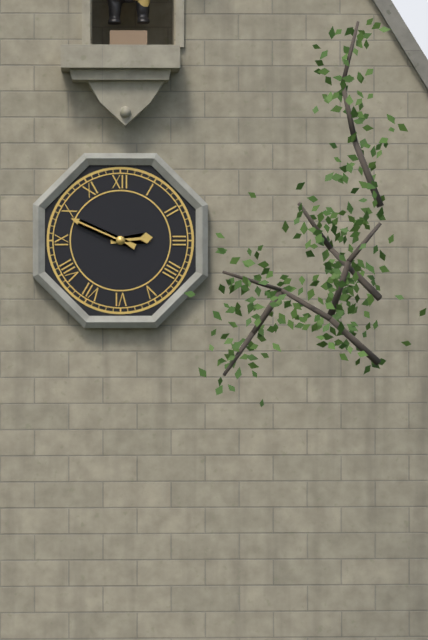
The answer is 2:49
